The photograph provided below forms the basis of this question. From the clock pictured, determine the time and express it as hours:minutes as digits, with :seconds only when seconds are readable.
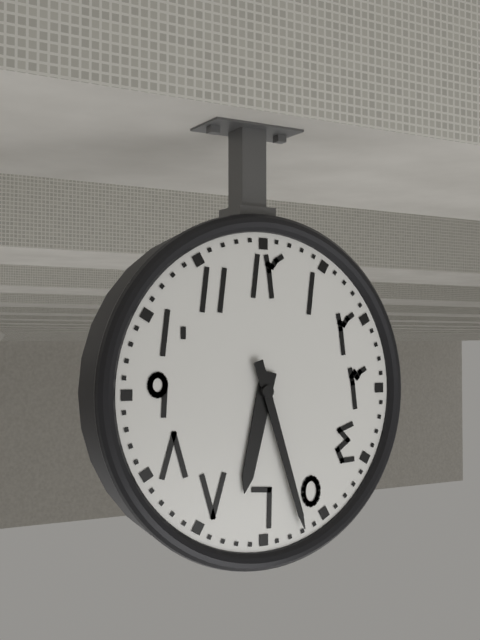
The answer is 6:27
